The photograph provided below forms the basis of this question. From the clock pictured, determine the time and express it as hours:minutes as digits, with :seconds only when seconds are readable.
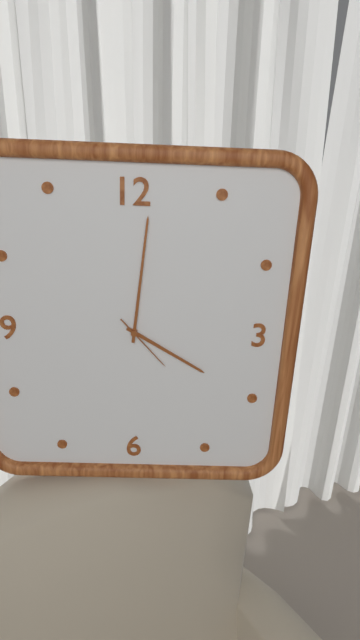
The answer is 4:01:23
